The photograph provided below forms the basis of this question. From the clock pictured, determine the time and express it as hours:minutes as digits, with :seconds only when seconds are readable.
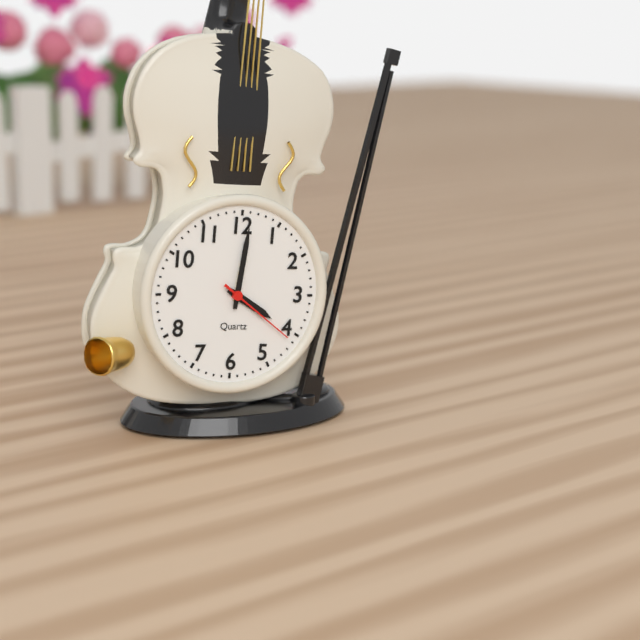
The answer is 4:01:21
